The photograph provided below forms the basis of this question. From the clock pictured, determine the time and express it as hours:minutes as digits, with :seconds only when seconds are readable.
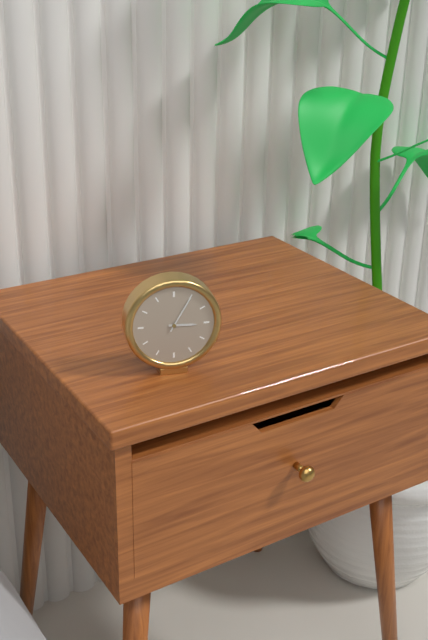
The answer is 3:05
